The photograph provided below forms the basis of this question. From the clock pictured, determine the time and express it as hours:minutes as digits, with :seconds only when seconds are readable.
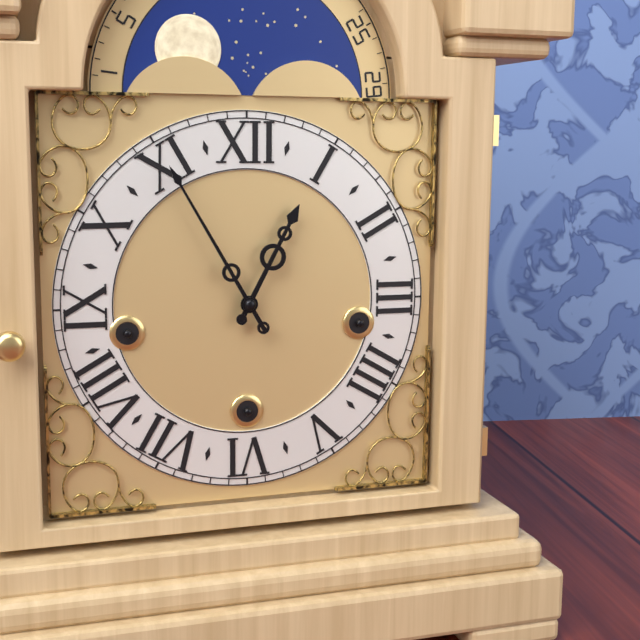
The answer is 12:55
